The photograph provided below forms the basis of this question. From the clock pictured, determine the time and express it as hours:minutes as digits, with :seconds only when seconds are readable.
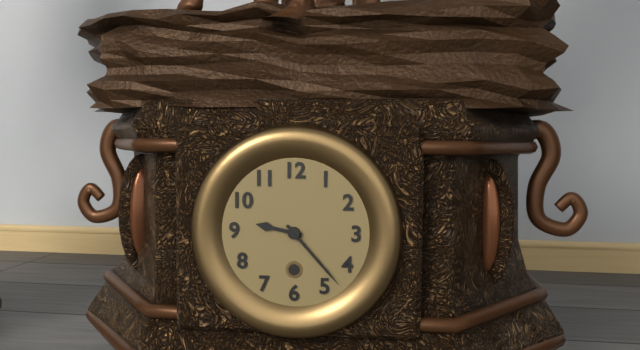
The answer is 9:23
